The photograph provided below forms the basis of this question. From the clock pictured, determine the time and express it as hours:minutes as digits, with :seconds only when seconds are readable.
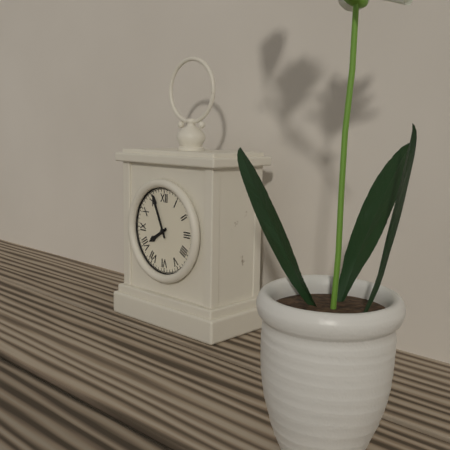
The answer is 7:56
